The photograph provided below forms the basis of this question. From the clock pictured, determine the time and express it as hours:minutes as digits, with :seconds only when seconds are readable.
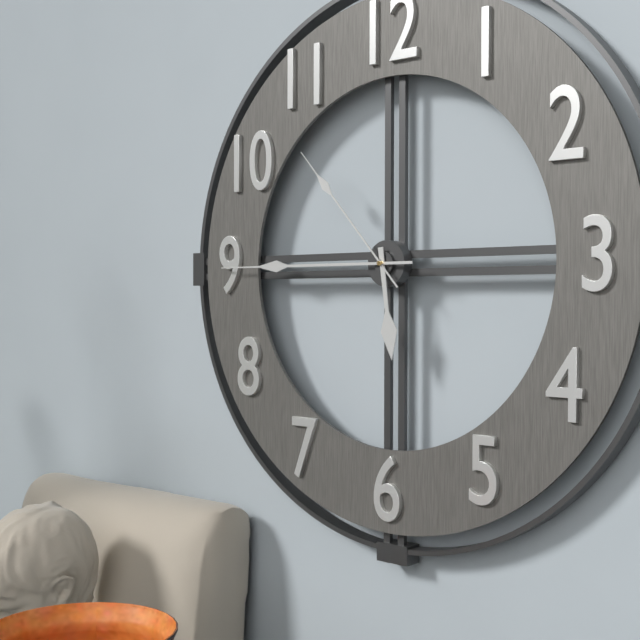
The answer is 5:45:53
